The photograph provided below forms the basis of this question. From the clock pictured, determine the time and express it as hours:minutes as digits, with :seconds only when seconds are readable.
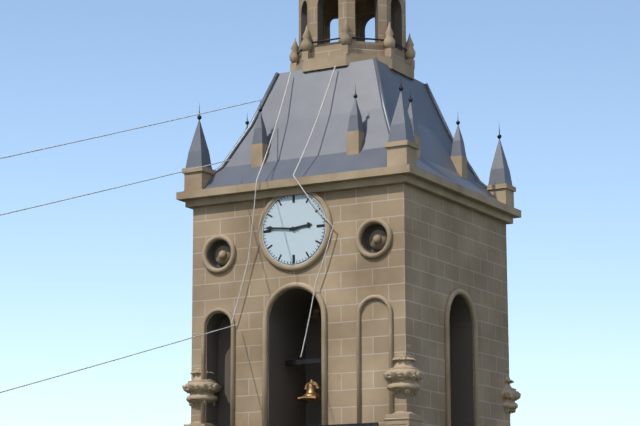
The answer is 2:46
